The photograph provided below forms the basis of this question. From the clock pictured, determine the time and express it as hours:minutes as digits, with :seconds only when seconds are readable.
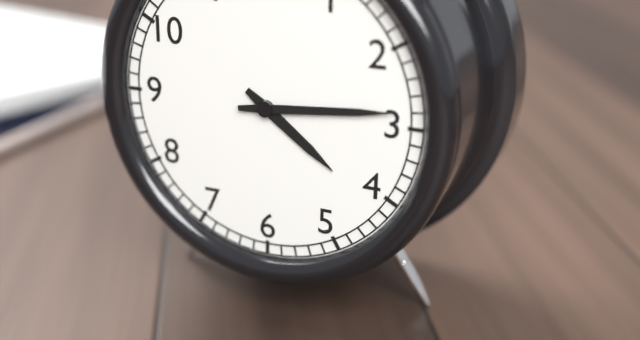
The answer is 4:14
